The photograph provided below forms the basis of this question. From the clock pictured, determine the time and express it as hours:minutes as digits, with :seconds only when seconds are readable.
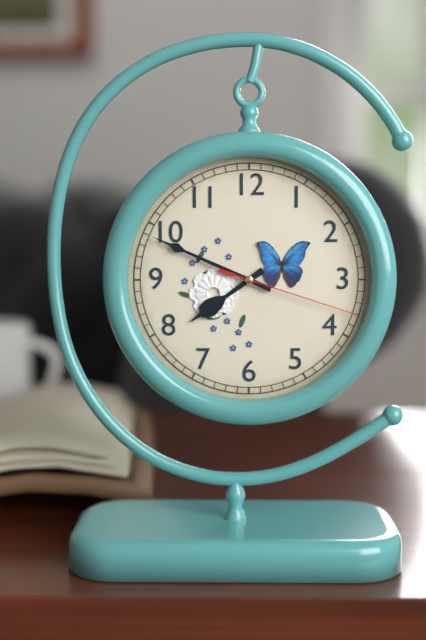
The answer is 7:49:18
